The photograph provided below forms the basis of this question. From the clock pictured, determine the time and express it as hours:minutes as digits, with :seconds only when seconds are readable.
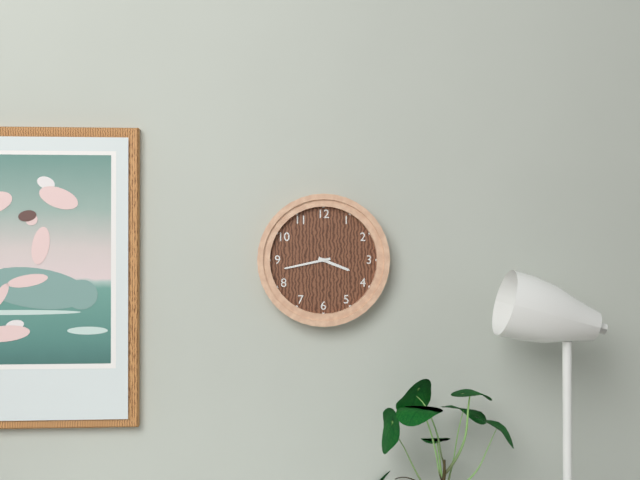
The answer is 3:43
